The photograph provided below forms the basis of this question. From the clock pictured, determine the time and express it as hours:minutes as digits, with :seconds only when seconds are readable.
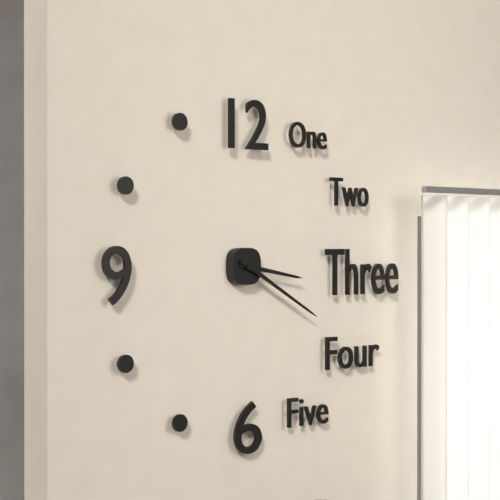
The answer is 3:20
